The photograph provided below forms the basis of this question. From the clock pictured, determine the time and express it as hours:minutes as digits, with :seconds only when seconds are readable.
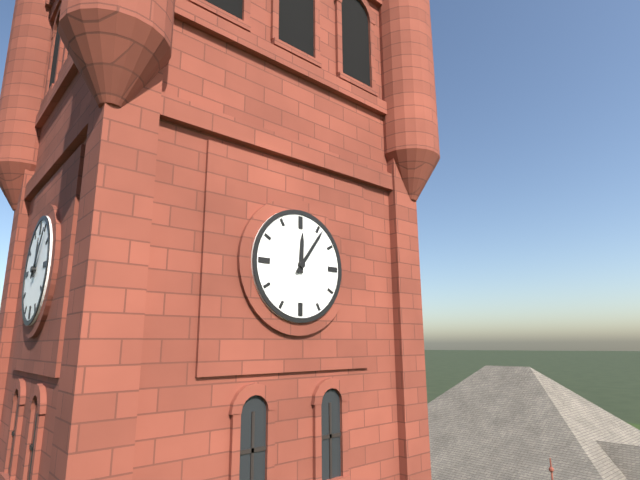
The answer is 12:06
